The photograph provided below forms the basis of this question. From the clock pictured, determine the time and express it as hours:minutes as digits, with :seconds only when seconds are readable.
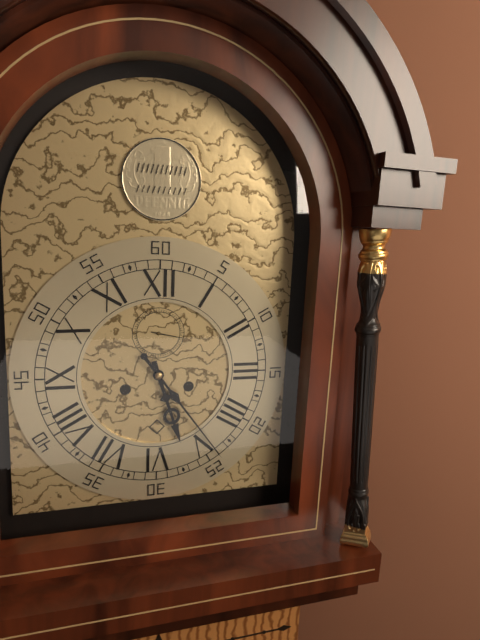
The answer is 5:24
